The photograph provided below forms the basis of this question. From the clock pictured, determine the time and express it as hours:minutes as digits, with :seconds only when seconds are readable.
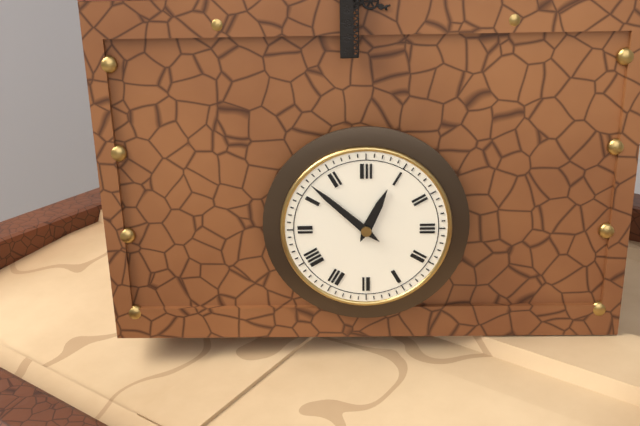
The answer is 12:52
